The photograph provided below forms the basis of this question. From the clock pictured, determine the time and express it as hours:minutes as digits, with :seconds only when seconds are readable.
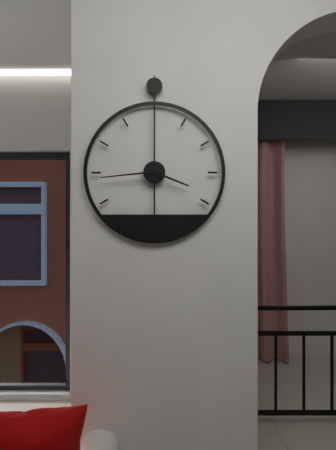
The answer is 3:44
